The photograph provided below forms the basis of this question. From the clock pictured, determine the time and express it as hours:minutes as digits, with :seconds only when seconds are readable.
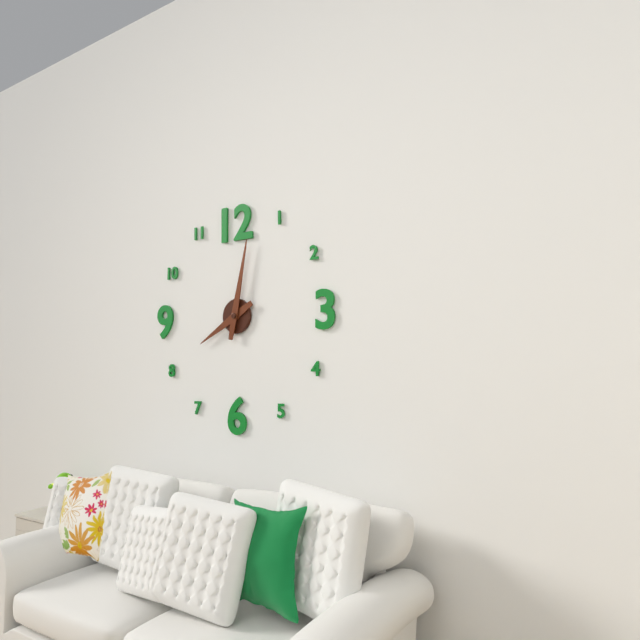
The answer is 8:02
